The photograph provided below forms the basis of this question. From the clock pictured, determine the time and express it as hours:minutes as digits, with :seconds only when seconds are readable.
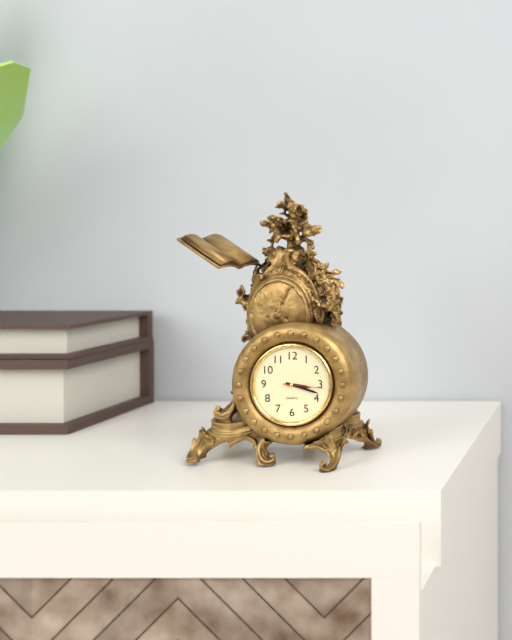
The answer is 3:18
